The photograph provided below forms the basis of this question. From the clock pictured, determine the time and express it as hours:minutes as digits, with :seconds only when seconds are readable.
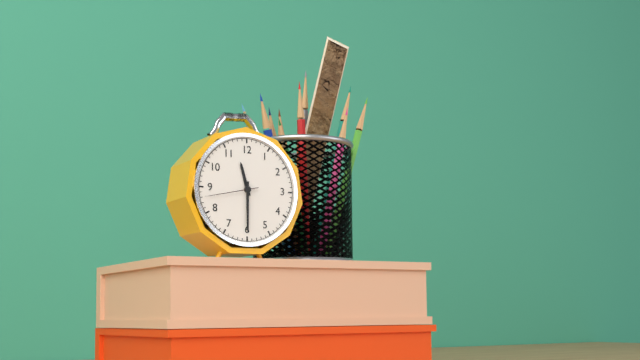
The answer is 11:30:43
